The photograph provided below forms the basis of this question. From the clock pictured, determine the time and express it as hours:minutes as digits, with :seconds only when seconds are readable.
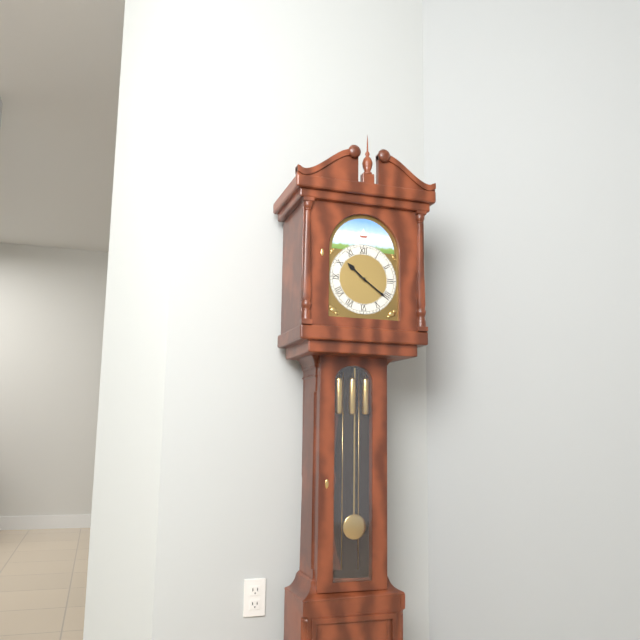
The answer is 10:21
